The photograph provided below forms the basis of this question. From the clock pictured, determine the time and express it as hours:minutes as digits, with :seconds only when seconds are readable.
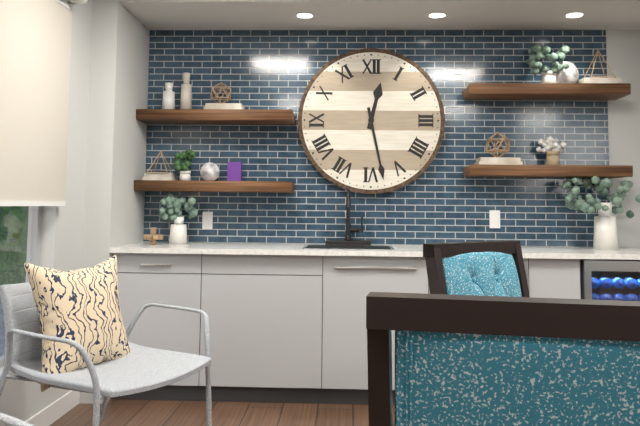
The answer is 12:28
